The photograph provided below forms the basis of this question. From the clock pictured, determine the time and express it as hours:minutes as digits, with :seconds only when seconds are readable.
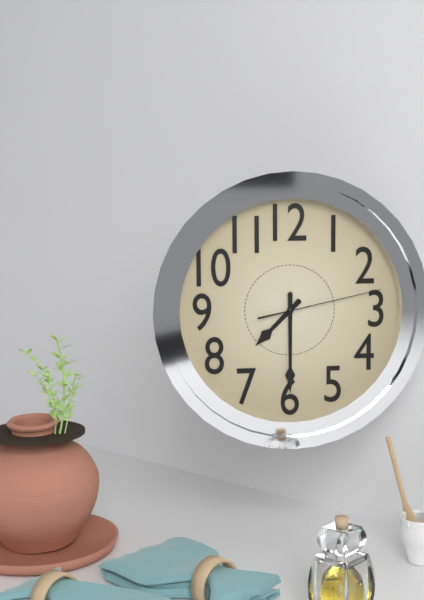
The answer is 7:30:13
